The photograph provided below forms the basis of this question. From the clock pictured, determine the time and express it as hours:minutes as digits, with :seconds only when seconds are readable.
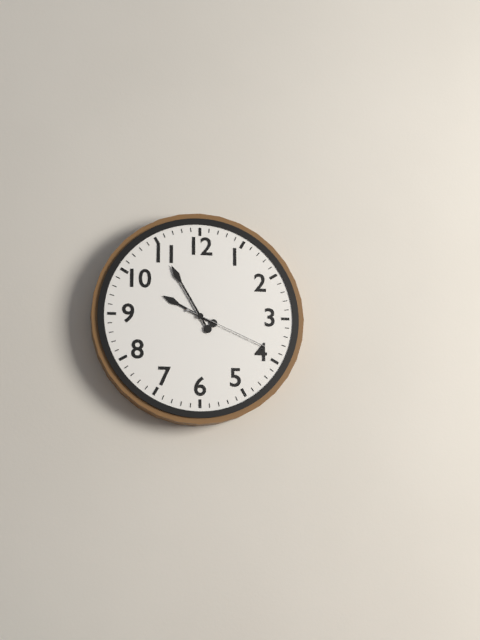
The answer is 9:55:19
